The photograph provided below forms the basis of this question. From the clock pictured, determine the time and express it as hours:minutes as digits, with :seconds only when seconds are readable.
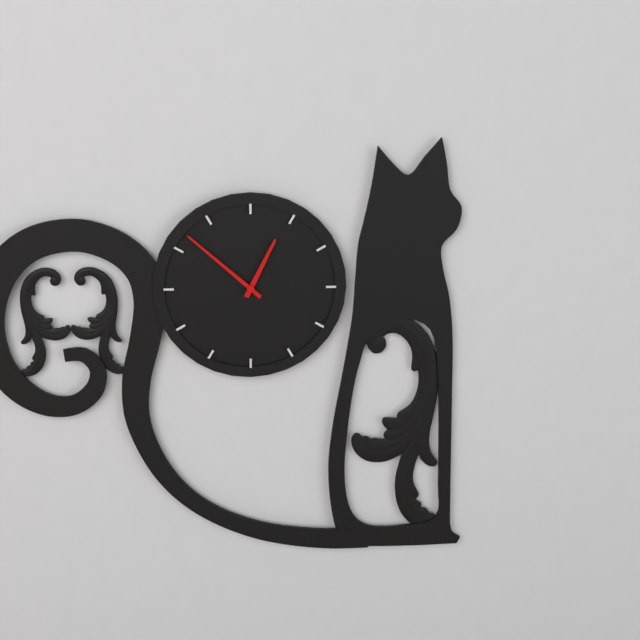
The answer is 12:52
